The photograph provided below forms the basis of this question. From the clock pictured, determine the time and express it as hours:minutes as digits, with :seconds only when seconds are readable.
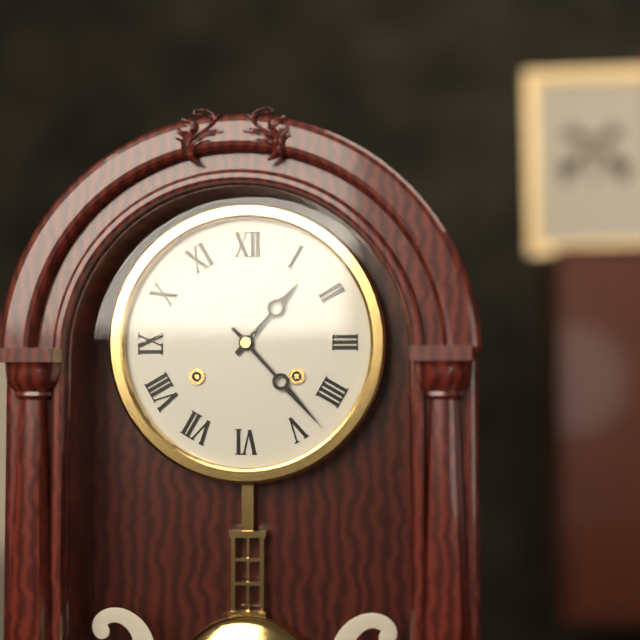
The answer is 1:23
